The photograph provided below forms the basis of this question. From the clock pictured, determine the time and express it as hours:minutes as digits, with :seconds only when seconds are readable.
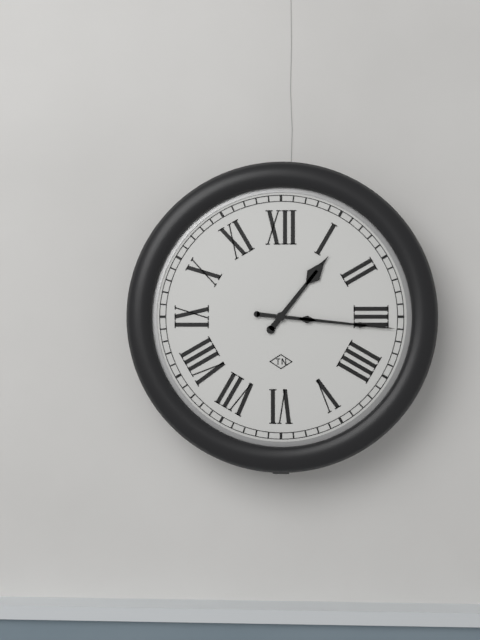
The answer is 1:16
